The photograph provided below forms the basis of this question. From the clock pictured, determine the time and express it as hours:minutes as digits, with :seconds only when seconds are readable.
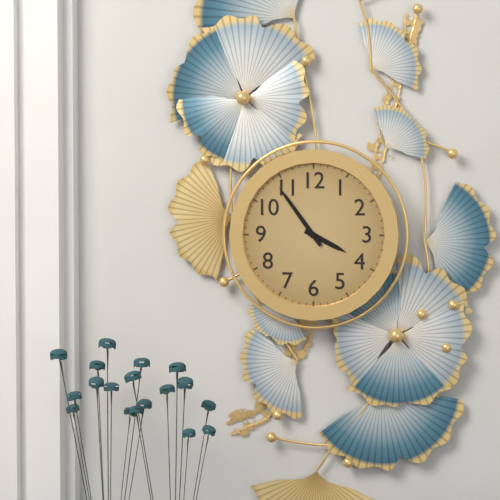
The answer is 3:54
